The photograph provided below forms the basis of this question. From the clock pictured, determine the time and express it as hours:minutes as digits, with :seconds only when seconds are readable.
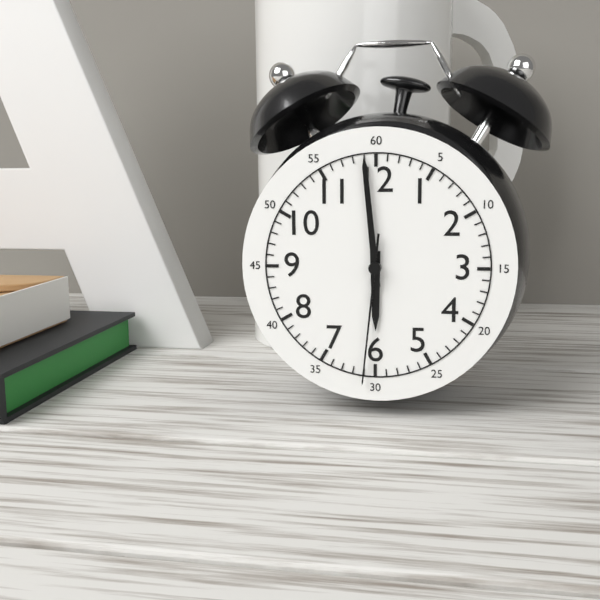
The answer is 5:59:31
